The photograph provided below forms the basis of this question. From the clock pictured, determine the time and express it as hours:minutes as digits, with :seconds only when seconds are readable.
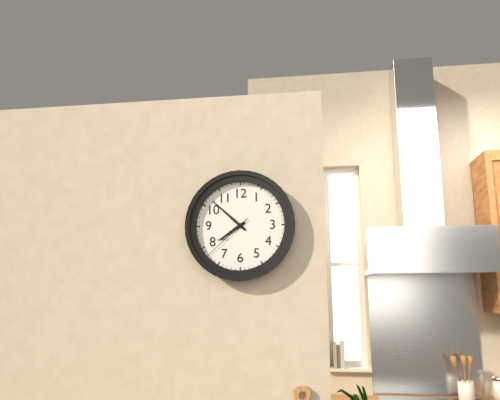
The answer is 7:52:38
